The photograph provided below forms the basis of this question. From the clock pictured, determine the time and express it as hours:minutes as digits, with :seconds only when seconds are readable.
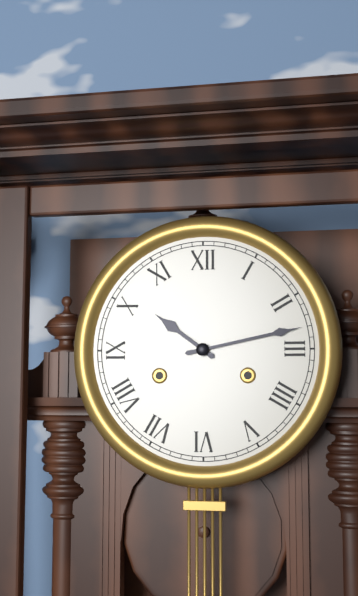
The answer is 10:13
